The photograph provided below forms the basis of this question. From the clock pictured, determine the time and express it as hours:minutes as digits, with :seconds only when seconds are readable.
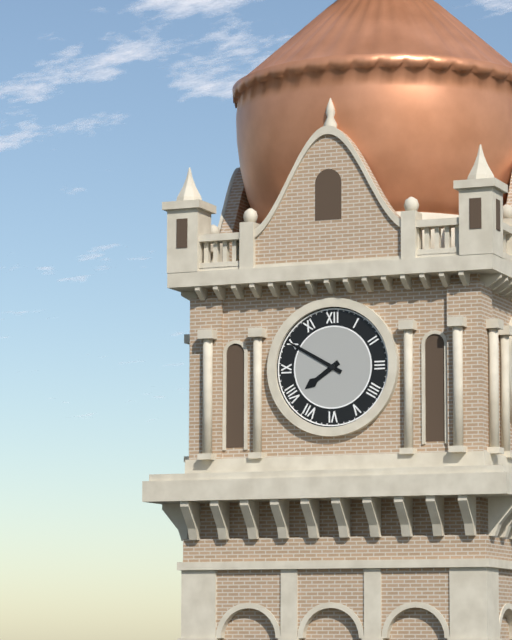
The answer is 7:50
